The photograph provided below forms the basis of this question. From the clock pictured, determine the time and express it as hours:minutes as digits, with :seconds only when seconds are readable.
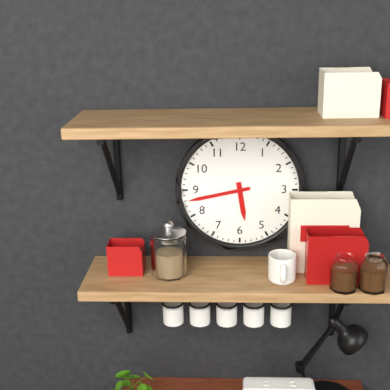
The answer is 5:43
